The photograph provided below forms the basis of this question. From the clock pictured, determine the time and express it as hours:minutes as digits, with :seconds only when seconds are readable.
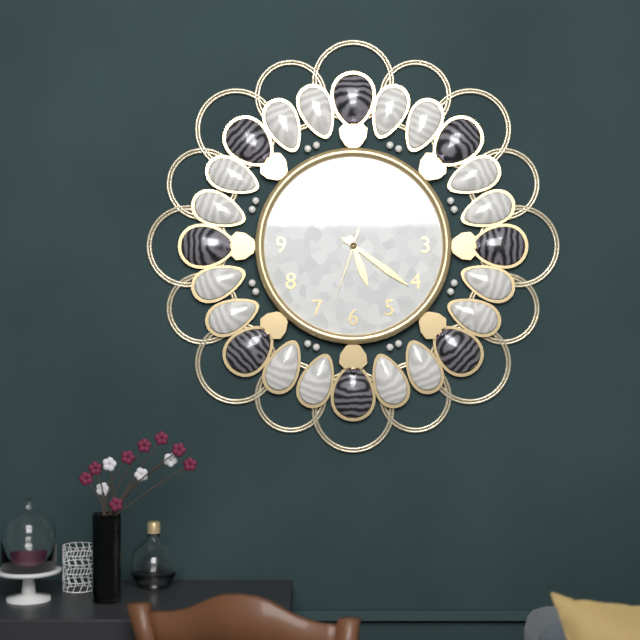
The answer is 5:21:33
